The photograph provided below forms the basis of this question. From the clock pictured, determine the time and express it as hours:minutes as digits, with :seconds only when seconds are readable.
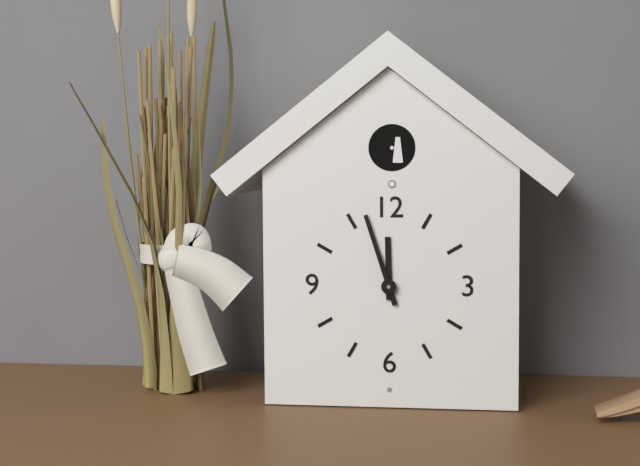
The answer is 11:57
